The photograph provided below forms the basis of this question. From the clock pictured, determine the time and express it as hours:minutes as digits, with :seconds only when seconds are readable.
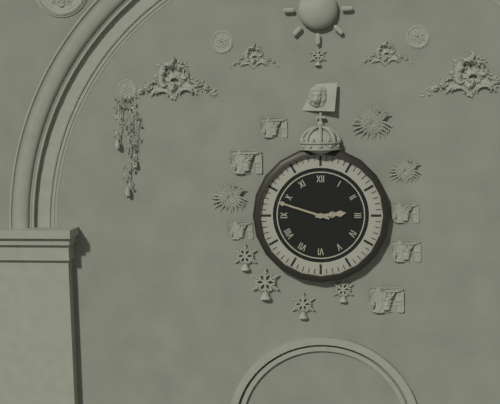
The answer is 2:48
